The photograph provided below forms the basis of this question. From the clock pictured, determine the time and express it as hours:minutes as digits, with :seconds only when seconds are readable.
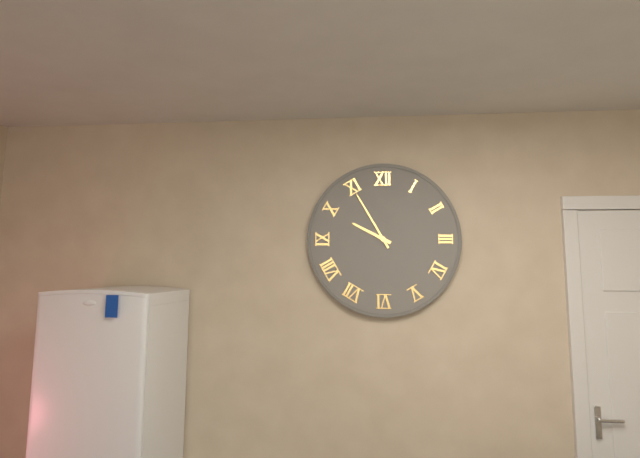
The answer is 9:55
